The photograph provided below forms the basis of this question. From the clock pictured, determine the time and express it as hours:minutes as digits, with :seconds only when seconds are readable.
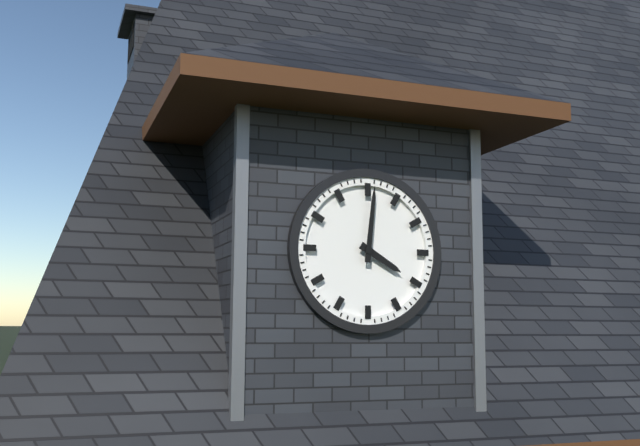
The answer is 4:01
